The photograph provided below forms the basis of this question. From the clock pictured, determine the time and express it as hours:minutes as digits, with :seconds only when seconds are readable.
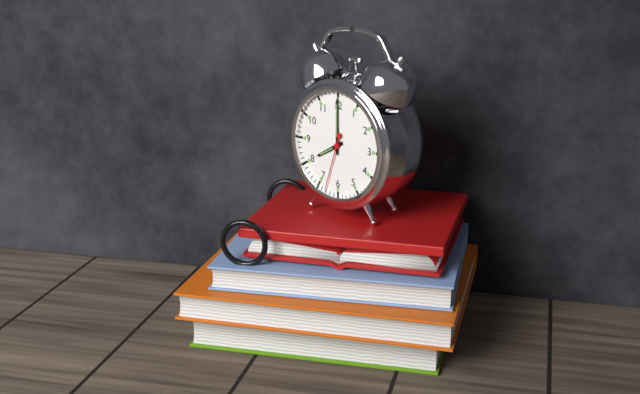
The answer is 8:00:33
